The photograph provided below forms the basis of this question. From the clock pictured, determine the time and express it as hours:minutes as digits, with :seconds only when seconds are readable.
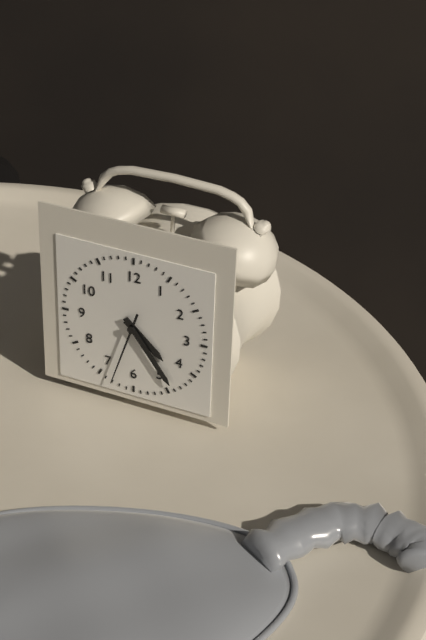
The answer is 4:24:33
